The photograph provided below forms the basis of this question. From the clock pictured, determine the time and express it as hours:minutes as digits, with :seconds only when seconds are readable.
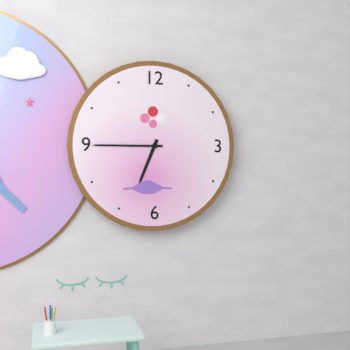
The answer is 6:45
